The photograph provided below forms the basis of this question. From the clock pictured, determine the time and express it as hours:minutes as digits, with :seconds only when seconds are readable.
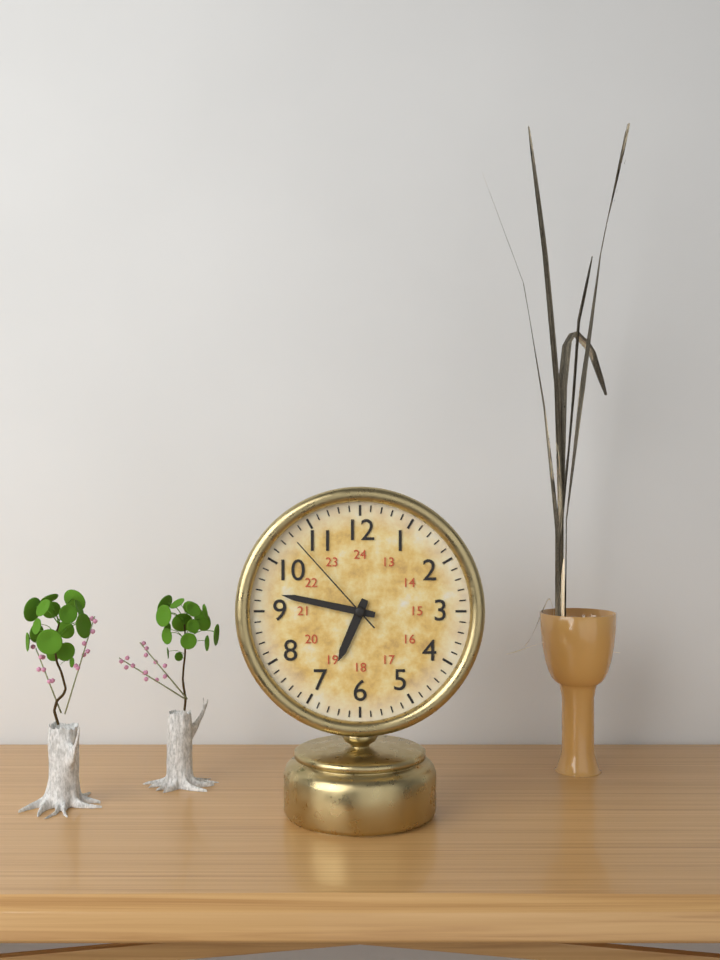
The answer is 6:47:53
